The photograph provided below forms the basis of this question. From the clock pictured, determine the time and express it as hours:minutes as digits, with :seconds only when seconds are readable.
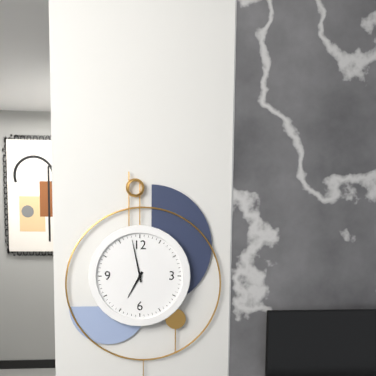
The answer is 6:58
